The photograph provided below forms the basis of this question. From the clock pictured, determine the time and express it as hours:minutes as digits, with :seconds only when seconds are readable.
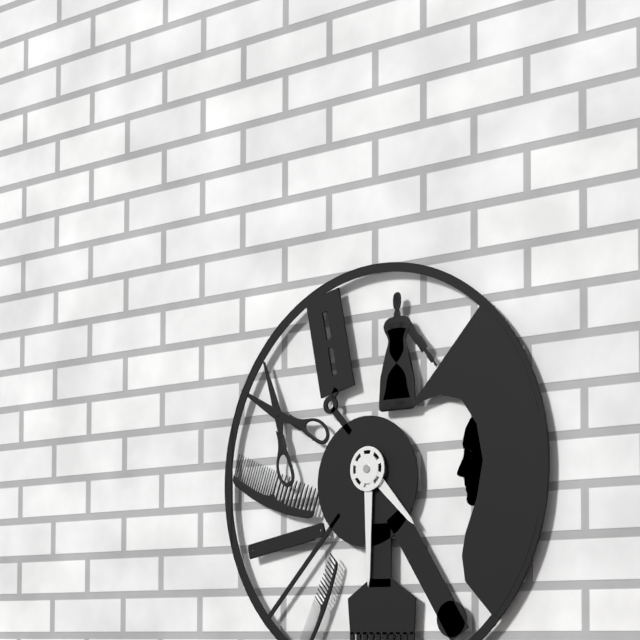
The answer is 4:30
